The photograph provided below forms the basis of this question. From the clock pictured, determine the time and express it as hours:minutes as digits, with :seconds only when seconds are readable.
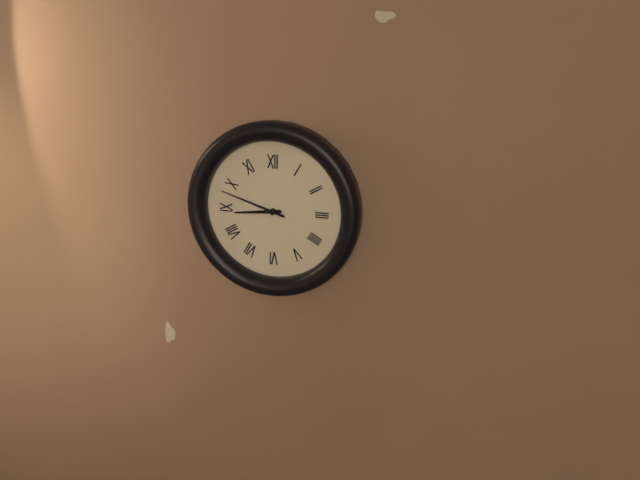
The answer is 8:48
